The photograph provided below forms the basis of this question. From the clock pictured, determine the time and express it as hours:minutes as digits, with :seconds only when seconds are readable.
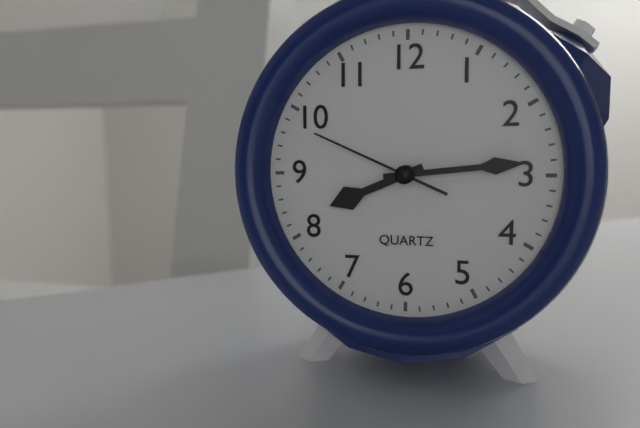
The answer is 8:14:49
